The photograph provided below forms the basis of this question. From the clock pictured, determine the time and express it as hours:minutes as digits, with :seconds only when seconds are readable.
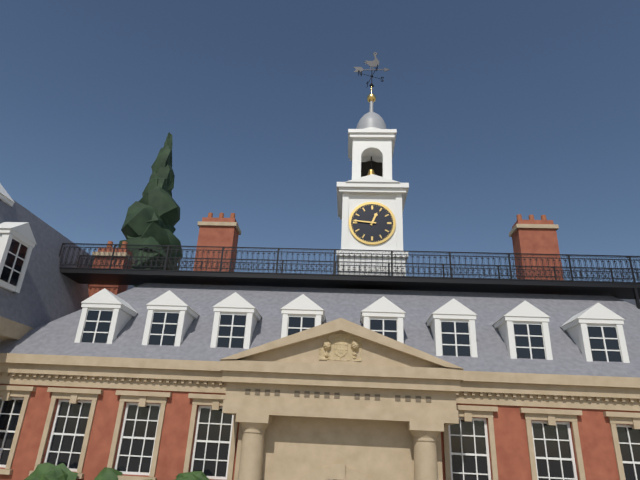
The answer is 12:46
